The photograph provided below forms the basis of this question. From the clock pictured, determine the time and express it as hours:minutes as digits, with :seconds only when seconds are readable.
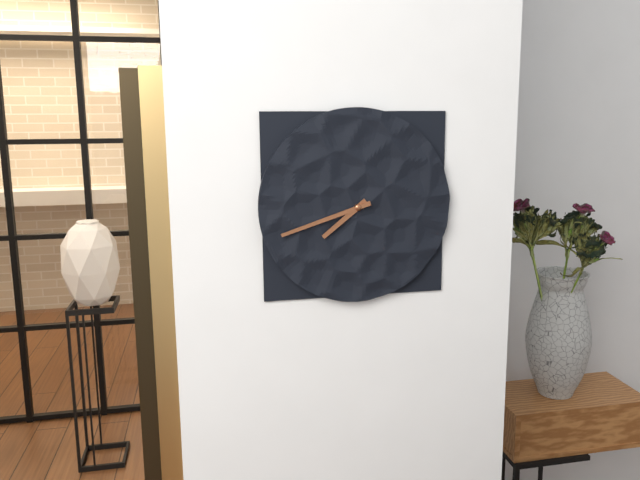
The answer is 7:42
